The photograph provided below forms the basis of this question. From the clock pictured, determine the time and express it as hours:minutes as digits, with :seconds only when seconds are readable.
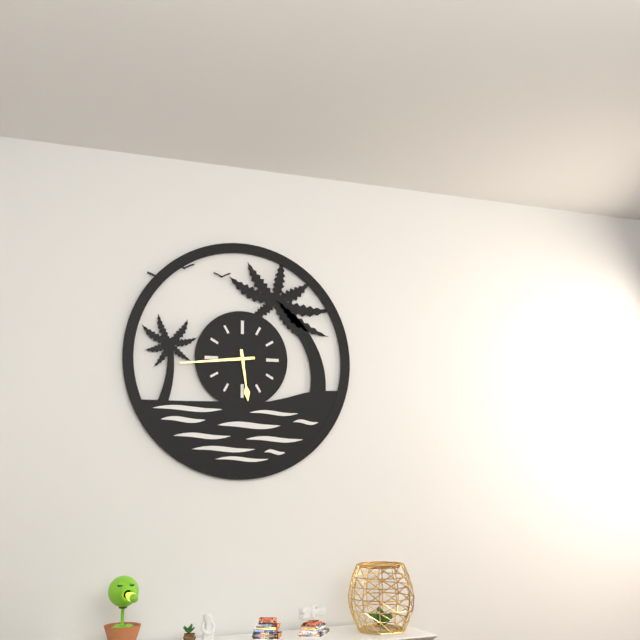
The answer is 5:44
